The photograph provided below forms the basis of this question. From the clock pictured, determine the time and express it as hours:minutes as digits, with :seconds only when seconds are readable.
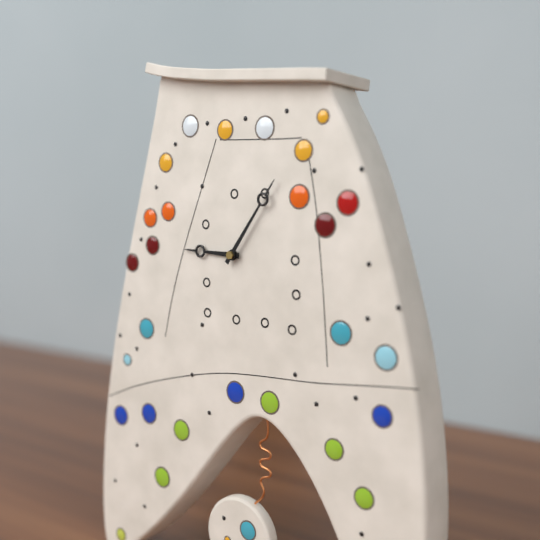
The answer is 9:06
